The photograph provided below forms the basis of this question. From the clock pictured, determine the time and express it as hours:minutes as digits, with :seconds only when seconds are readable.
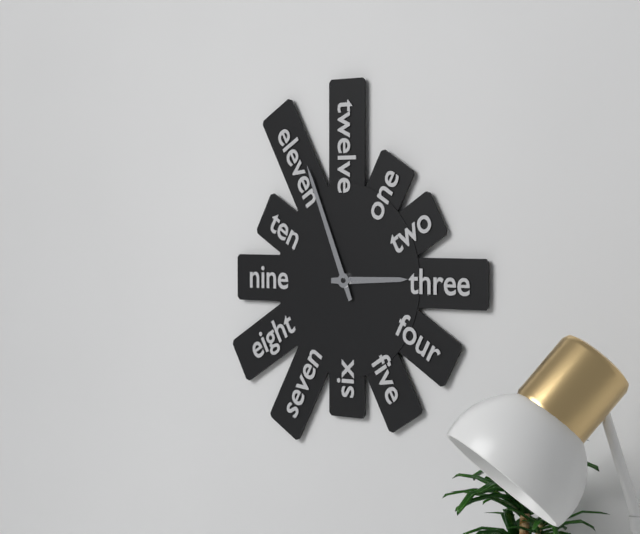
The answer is 2:56
